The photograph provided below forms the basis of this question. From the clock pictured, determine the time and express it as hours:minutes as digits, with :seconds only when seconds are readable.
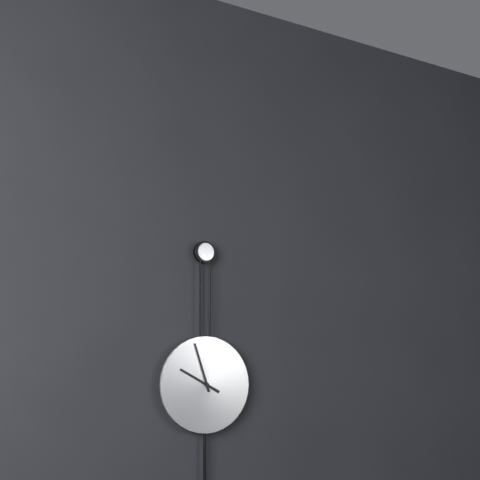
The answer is 9:57
